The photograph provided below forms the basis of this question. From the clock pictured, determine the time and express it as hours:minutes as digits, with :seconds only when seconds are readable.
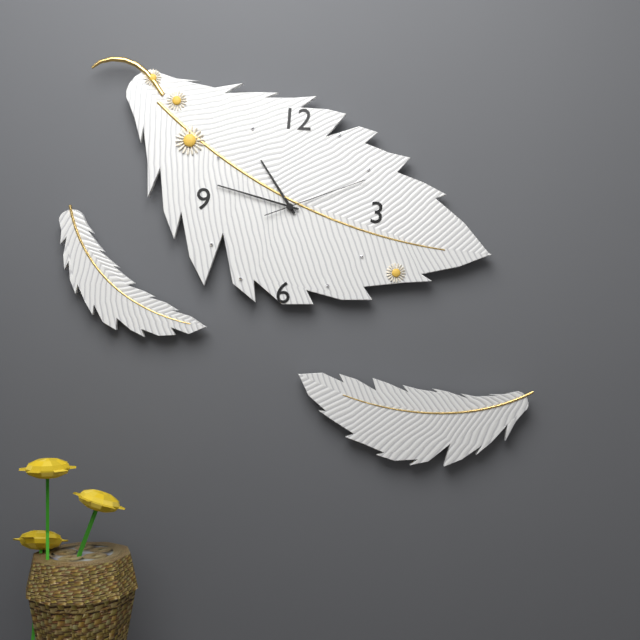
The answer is 10:47:11
